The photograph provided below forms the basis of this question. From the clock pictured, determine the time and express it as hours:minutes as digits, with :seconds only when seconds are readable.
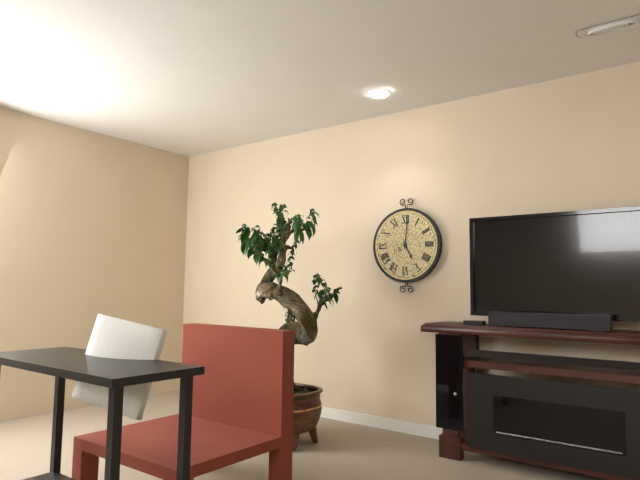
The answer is 5:01
